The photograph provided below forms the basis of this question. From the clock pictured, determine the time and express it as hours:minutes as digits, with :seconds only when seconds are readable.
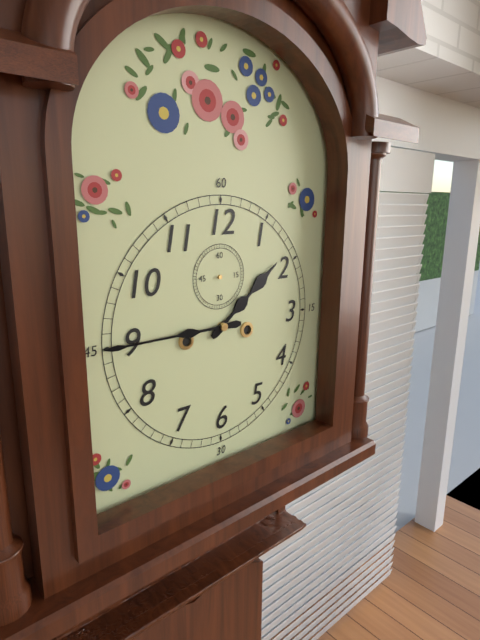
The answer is 1:45
